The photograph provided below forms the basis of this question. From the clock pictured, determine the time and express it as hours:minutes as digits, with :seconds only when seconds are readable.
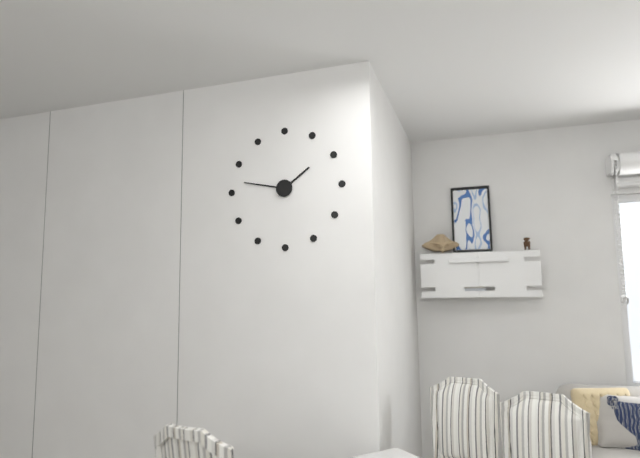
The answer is 1:47
